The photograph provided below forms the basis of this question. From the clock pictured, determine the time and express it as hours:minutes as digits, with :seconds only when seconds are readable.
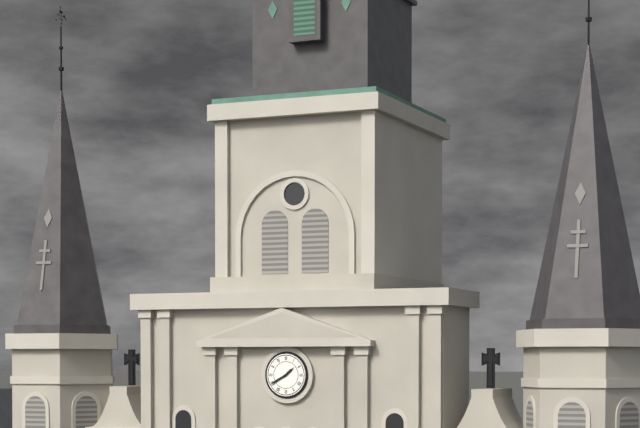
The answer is 1:40
